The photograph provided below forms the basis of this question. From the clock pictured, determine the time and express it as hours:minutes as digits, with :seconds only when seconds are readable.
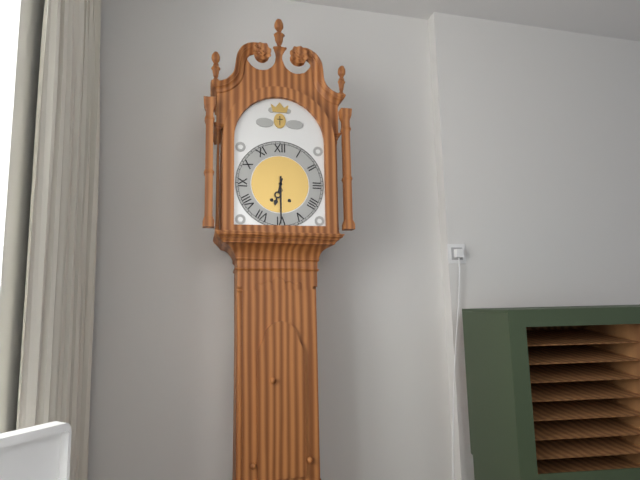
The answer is 6:30
